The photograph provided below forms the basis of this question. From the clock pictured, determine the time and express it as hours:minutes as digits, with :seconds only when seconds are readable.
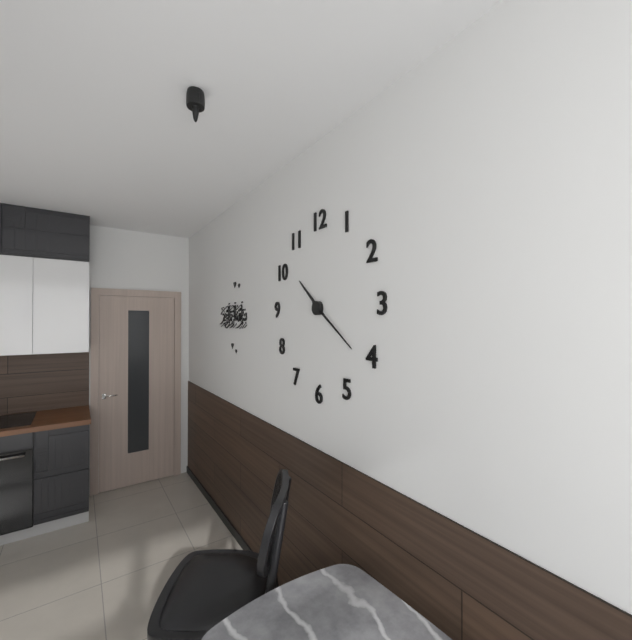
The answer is 10:21
